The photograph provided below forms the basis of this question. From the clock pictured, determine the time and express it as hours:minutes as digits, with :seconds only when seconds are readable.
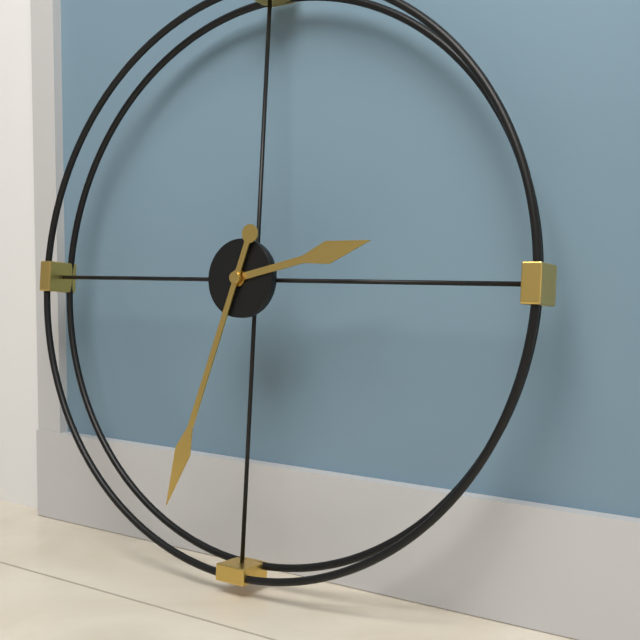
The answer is 2:33
